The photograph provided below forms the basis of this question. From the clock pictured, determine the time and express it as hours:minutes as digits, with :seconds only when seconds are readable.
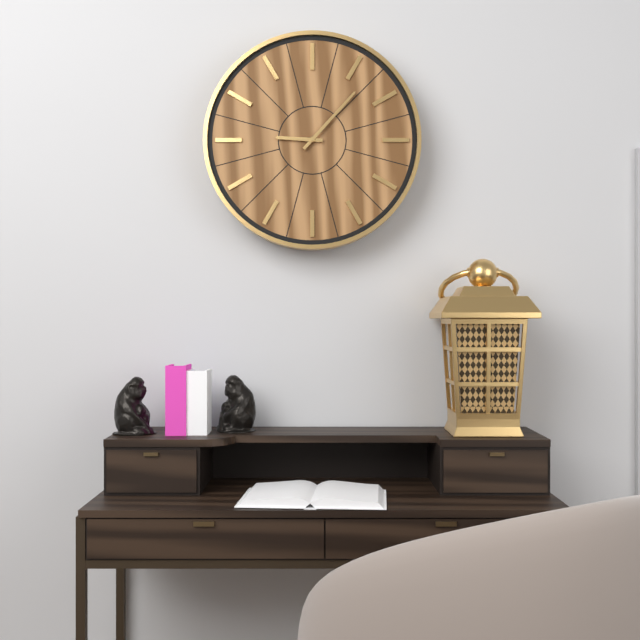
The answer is 9:07
